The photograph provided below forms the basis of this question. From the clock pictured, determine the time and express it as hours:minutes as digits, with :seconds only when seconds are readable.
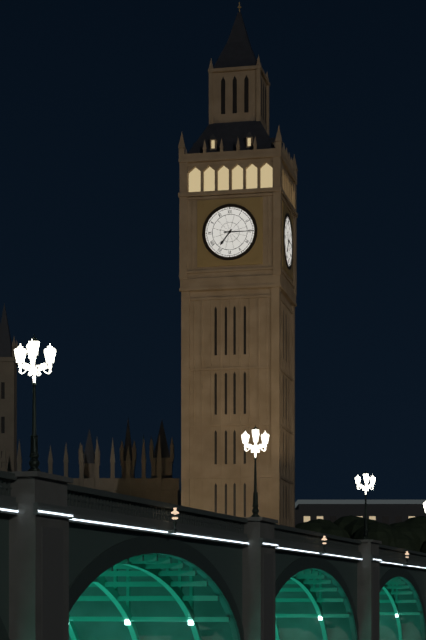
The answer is 7:15
